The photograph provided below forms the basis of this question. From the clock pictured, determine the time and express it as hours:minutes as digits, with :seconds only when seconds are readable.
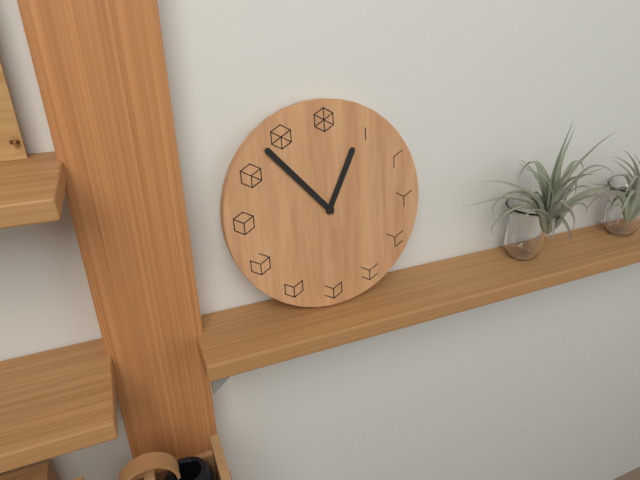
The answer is 12:53
